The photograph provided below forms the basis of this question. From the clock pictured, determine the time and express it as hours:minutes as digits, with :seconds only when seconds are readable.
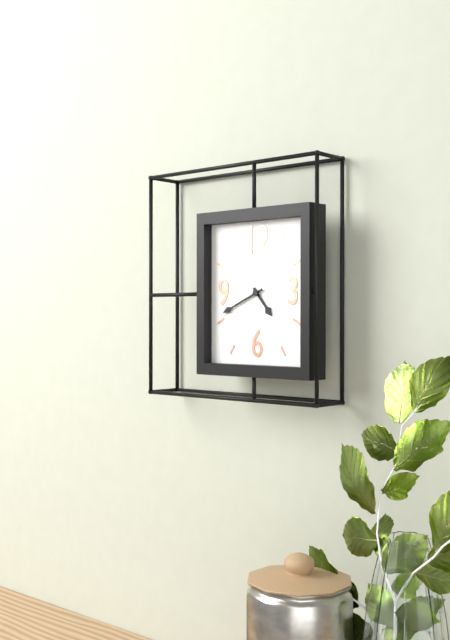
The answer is 4:41
